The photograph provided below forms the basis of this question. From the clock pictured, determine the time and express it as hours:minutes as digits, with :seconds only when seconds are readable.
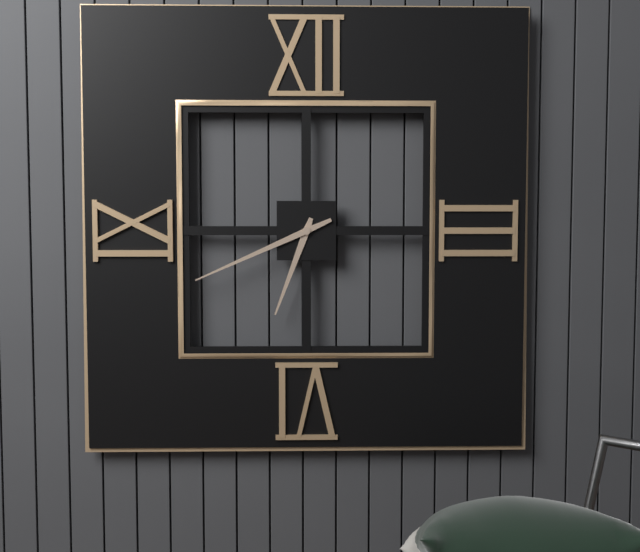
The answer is 6:41
